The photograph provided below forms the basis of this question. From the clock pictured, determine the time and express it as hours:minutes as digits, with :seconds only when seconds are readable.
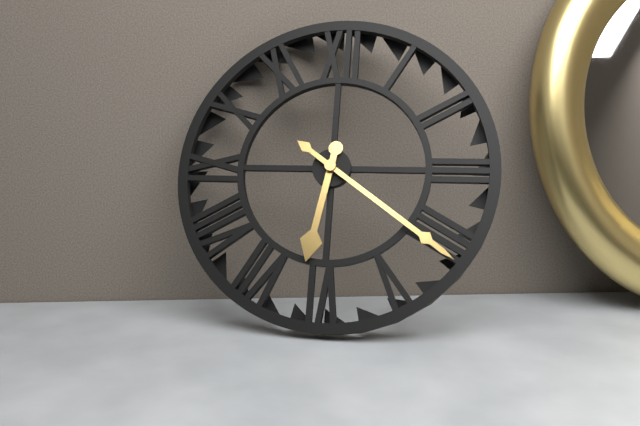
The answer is 6:21
